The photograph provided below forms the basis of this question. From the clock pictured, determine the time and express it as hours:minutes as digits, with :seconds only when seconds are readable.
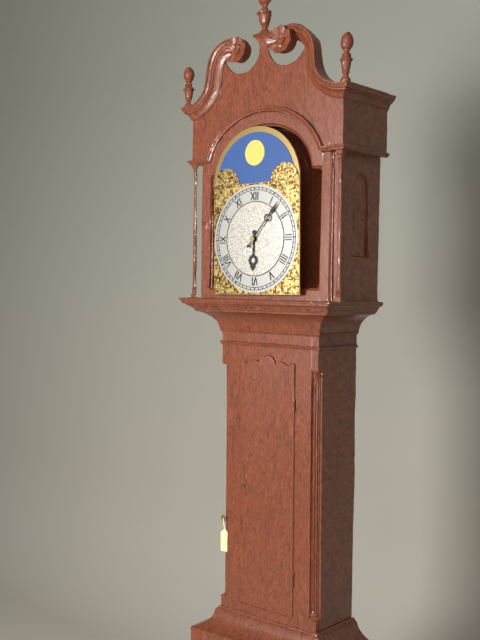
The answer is 6:07
